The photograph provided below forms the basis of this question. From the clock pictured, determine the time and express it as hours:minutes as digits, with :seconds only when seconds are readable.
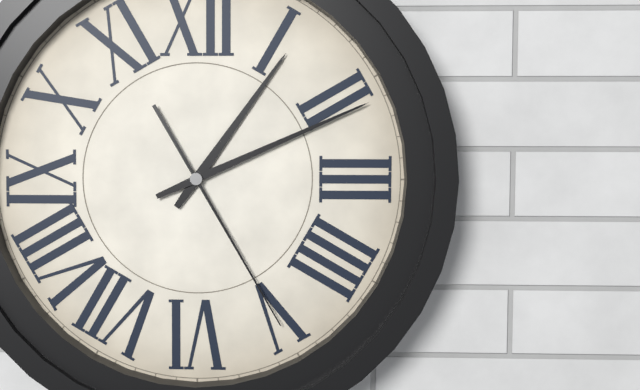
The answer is 1:11:25
